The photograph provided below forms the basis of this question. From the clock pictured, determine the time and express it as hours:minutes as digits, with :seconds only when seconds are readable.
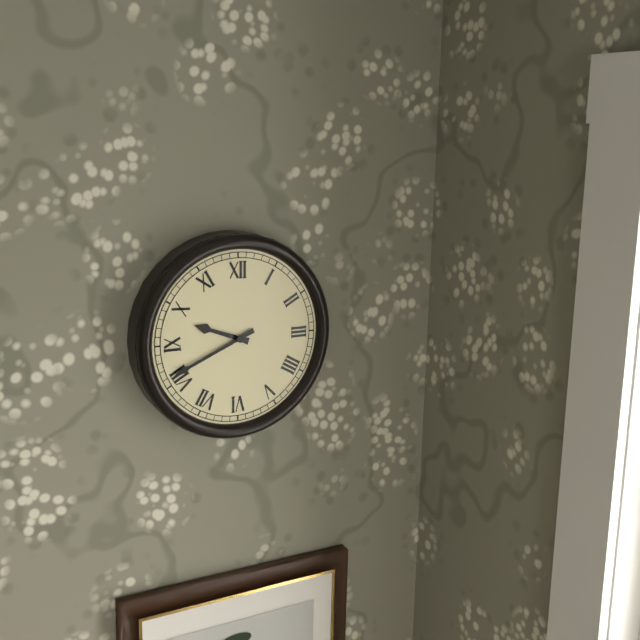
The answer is 9:41
